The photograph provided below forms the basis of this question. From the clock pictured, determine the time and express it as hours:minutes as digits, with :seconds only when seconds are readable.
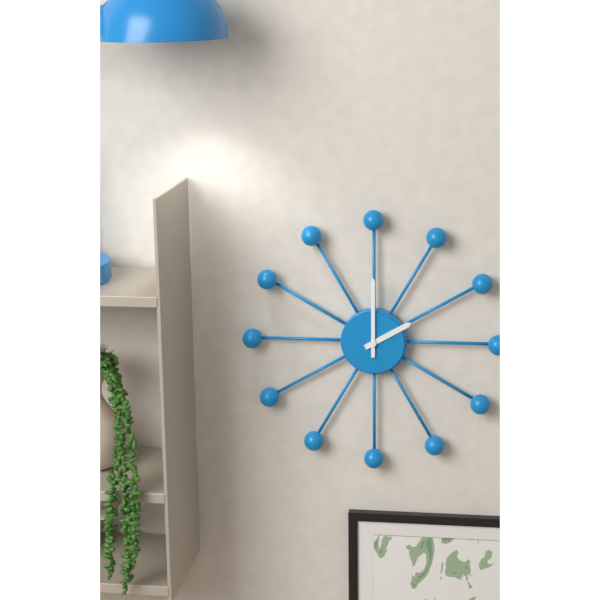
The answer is 2:00
